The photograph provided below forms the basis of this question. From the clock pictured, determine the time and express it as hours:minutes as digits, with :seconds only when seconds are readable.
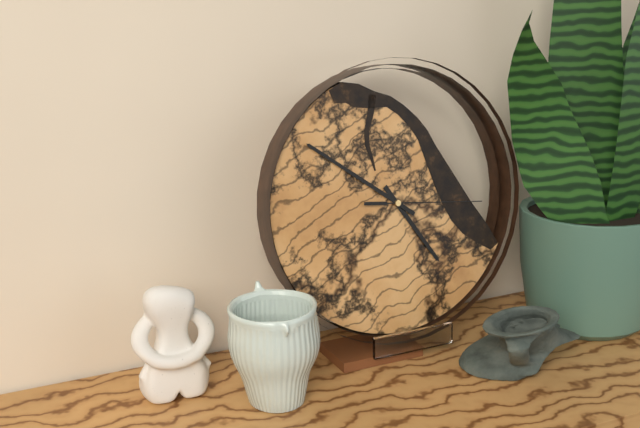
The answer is 4:51:16
